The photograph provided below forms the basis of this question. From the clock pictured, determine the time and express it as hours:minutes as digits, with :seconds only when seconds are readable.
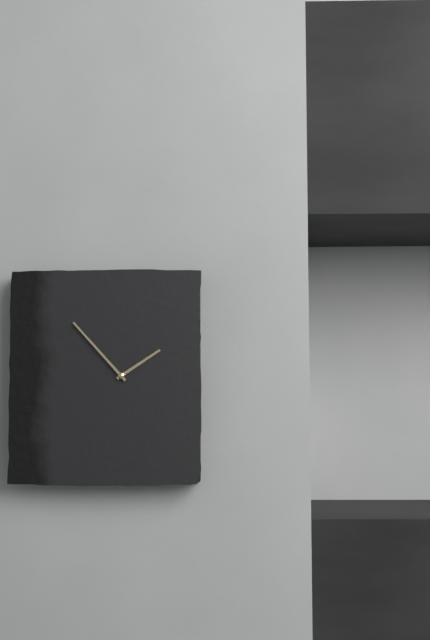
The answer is 1:53
